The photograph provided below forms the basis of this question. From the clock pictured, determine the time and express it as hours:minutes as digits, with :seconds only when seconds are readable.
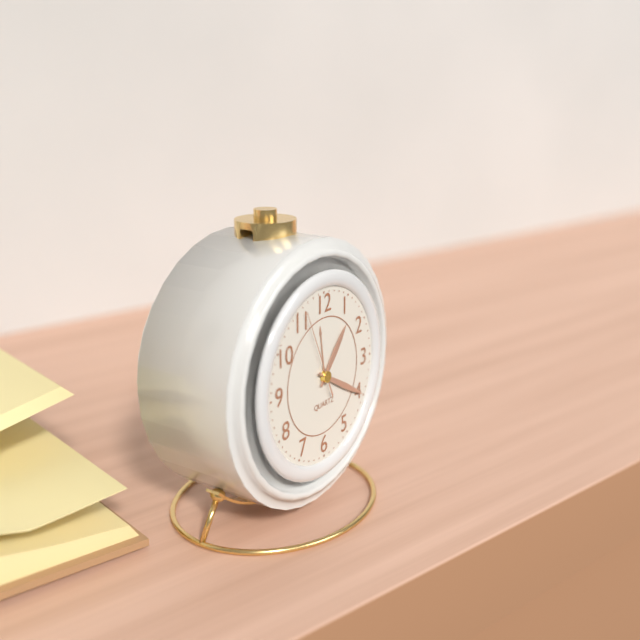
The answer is 1:20:56
